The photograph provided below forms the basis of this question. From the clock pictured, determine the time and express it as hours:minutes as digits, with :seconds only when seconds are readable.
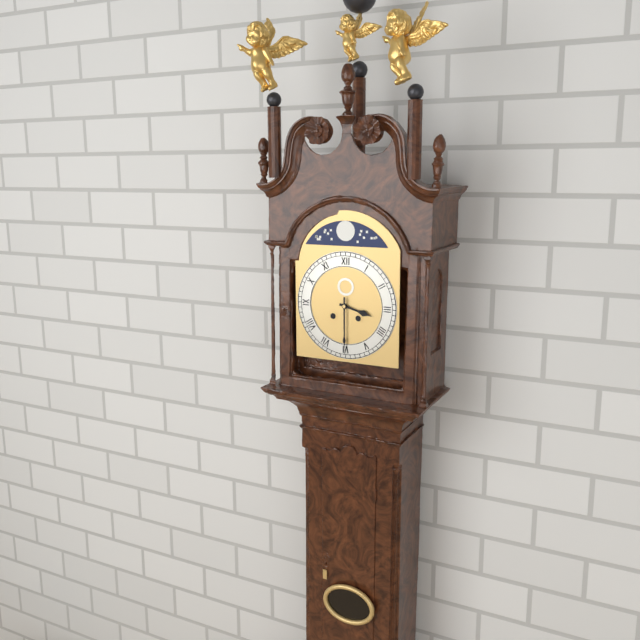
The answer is 3:30
